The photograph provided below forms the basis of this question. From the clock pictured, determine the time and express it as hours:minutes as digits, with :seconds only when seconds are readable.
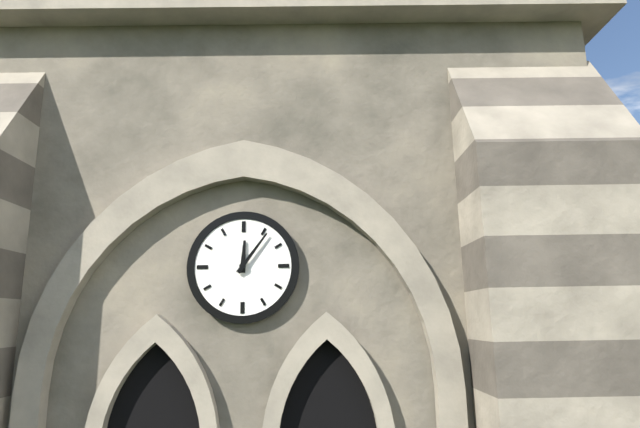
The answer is 12:06
